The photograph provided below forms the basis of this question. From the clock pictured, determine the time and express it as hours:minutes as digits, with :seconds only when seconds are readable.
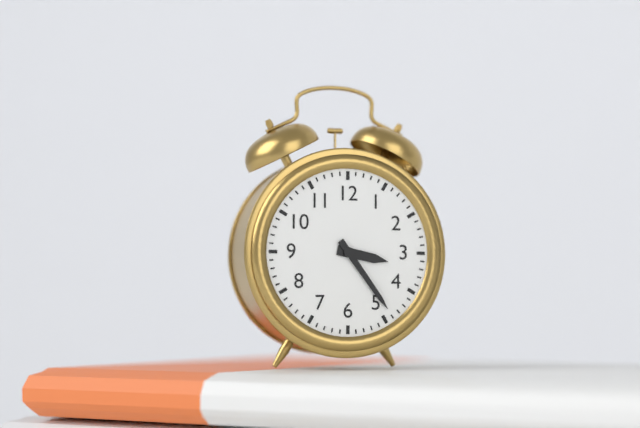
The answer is 3:24
